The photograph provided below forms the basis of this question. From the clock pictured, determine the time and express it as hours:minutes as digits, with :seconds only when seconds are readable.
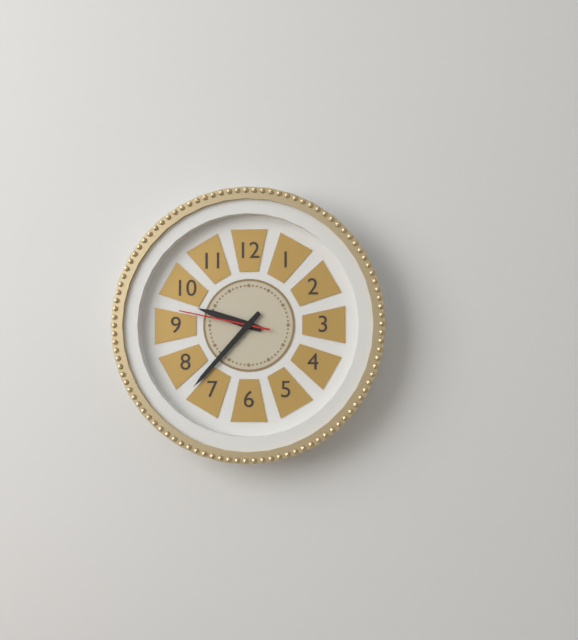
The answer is 9:37:47
